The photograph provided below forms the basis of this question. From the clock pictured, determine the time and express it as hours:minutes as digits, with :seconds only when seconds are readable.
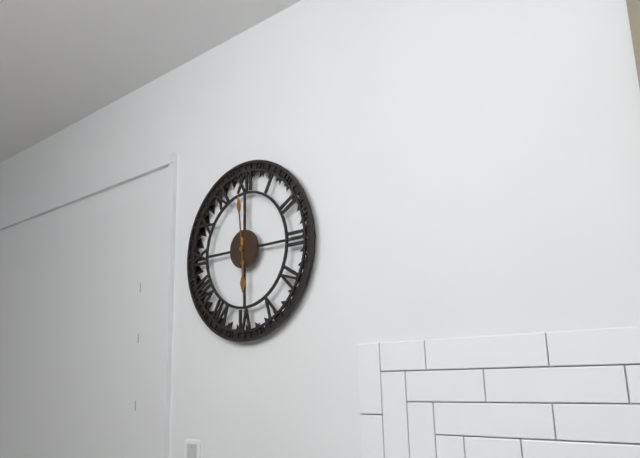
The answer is 5:59
